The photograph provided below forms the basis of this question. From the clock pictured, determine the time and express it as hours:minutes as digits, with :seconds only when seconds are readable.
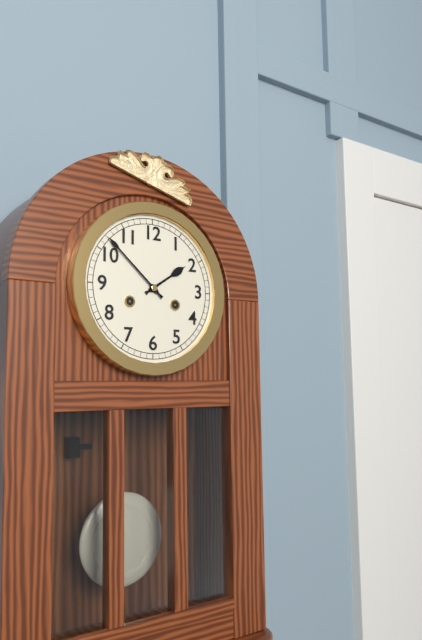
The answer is 1:52
